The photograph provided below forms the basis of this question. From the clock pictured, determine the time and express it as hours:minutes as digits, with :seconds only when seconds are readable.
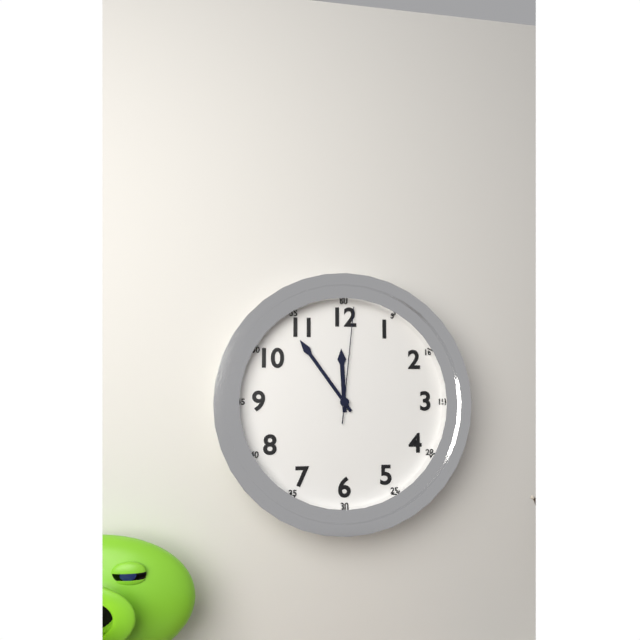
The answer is 11:54:01
